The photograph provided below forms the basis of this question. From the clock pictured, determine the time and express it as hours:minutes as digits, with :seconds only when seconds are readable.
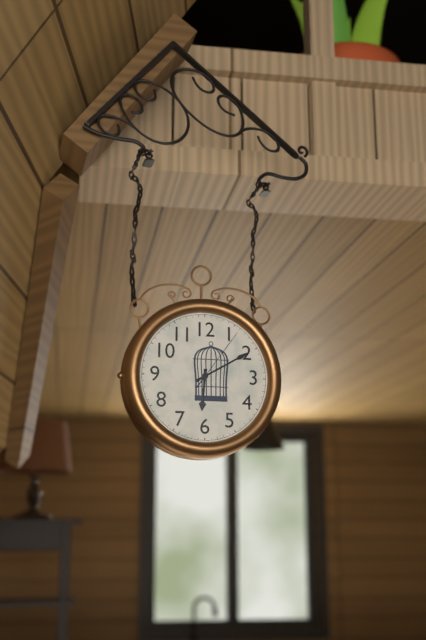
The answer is 6:10:06
